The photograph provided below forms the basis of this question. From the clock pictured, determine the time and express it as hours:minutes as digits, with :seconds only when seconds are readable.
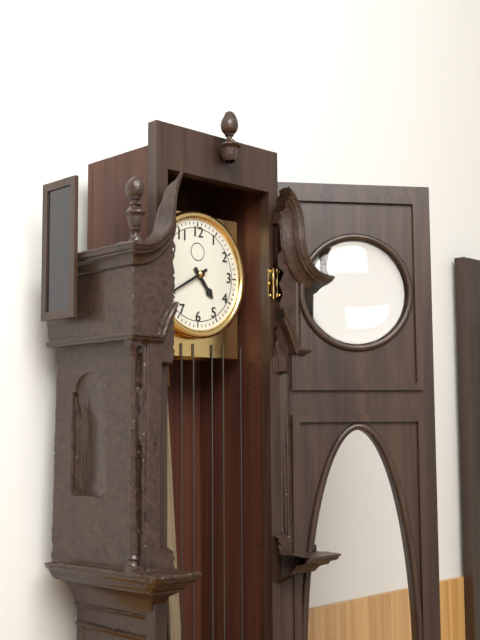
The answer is 4:40
